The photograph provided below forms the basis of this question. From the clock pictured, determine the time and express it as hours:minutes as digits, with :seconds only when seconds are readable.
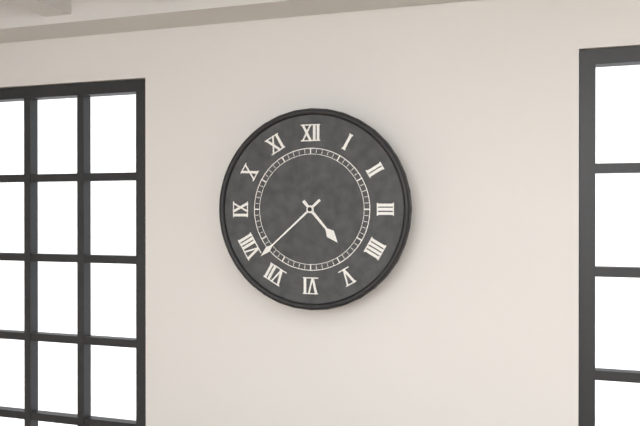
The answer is 4:38
